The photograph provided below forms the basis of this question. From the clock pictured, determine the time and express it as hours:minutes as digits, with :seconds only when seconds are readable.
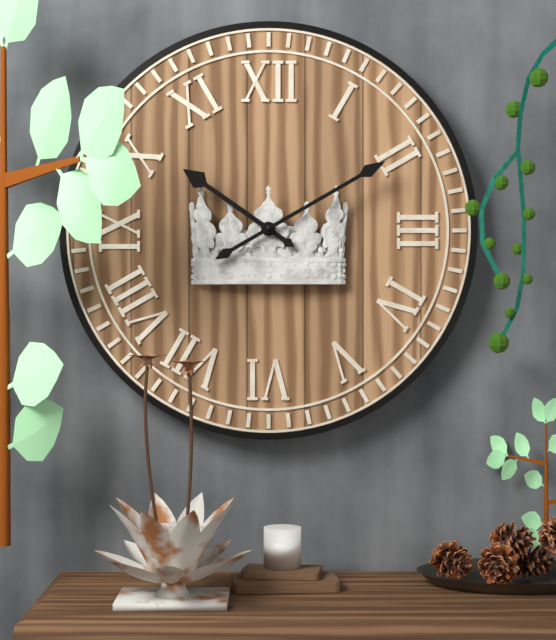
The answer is 10:10
